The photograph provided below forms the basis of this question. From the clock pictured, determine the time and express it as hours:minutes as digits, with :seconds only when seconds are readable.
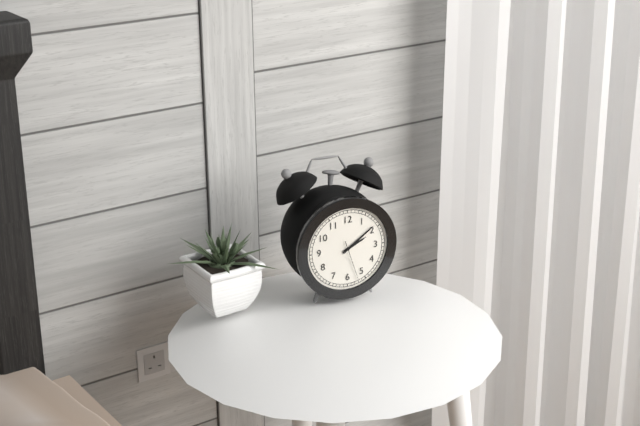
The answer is 2:09
